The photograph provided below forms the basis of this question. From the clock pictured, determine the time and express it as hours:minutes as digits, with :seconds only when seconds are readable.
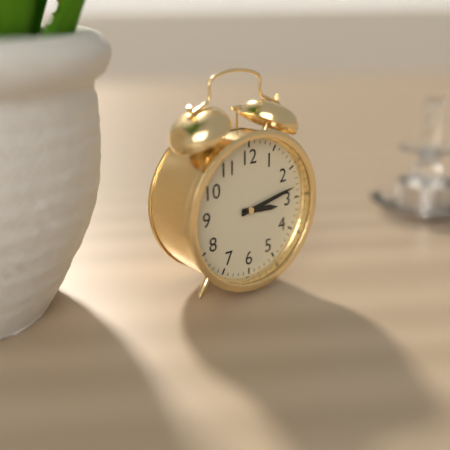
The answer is 3:13
